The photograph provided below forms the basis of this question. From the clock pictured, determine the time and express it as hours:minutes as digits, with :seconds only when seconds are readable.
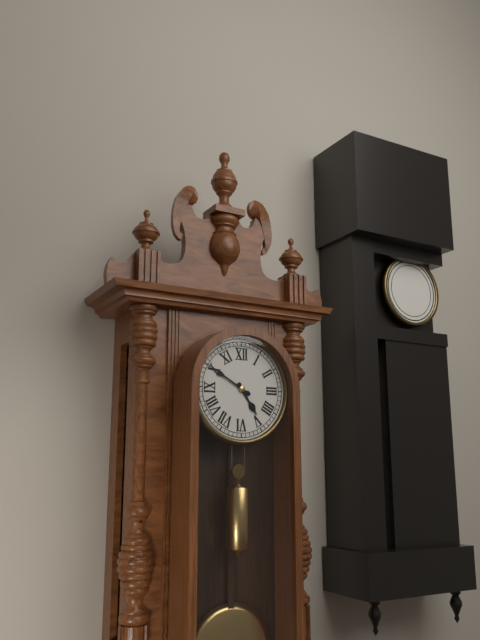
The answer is 4:50
